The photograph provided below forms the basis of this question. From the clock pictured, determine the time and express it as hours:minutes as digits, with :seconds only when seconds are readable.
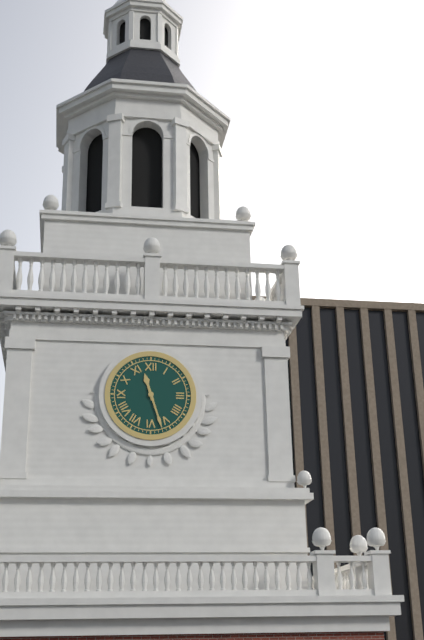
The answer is 11:27
